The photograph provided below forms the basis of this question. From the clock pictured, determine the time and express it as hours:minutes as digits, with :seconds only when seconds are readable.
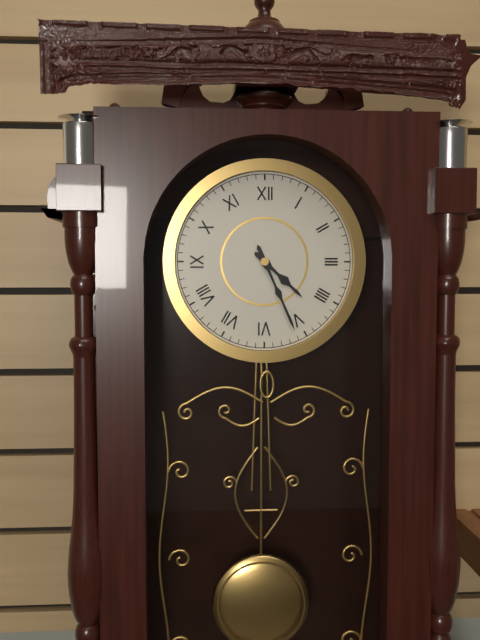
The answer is 4:26
